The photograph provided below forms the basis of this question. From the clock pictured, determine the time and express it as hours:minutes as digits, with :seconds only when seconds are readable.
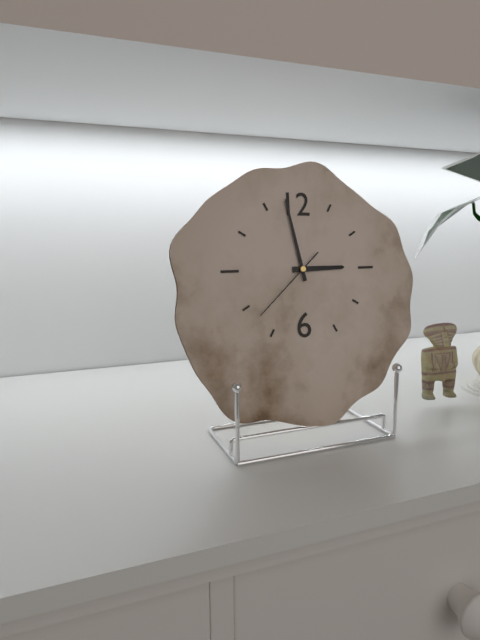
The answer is 2:58:38
